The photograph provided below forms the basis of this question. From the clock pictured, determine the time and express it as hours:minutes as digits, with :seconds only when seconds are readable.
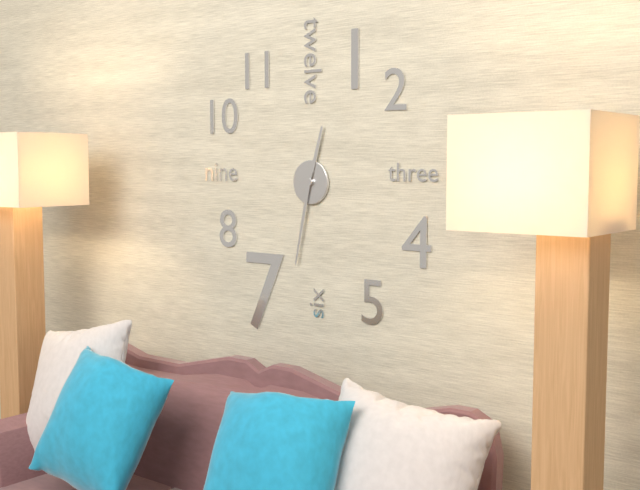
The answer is 12:32
